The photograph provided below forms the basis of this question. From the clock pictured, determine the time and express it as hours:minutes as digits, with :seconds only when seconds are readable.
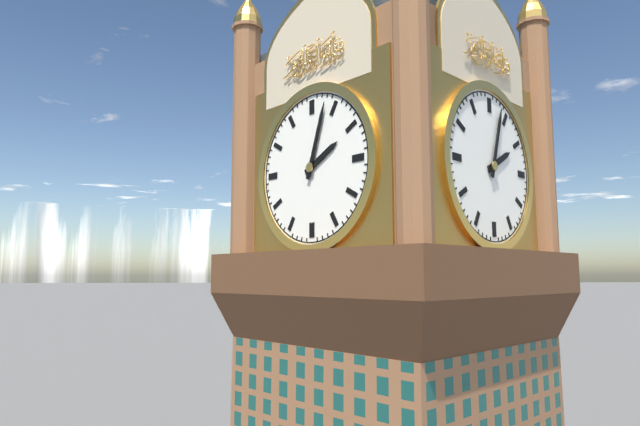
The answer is 2:03
